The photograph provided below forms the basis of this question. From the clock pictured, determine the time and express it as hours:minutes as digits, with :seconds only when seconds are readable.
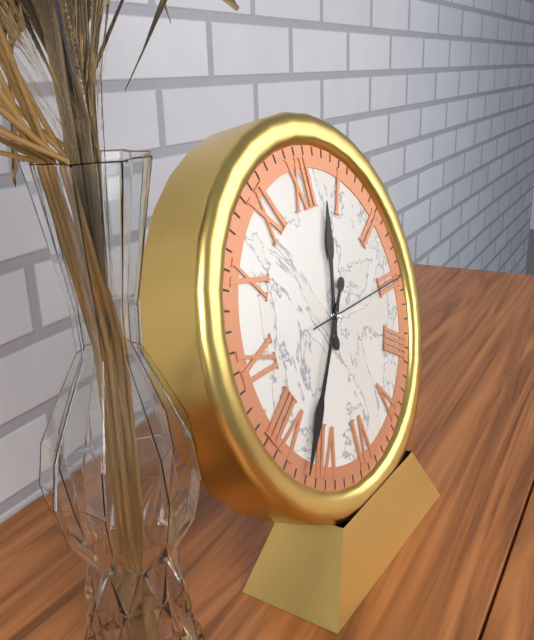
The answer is 12:37:15
